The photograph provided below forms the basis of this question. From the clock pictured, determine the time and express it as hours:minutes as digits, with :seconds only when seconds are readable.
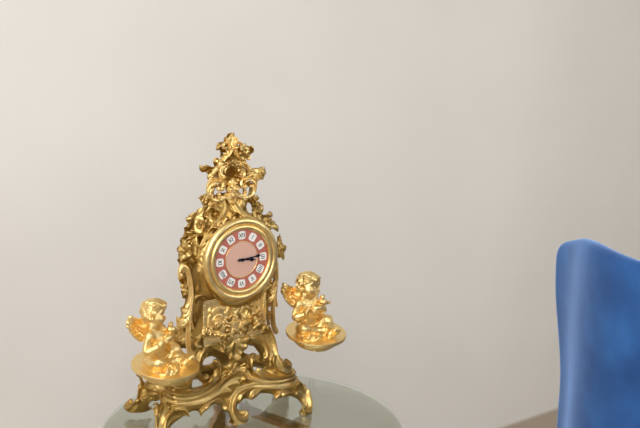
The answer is 3:14
